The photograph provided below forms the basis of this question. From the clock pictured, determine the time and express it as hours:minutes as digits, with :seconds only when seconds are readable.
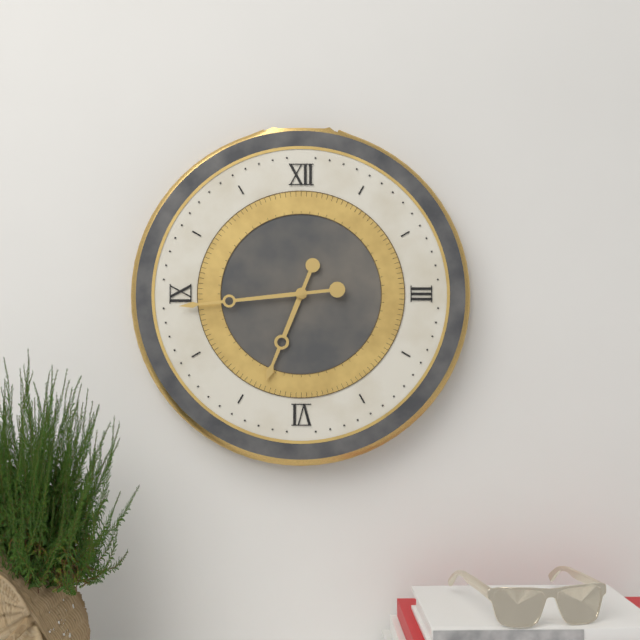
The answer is 6:44
